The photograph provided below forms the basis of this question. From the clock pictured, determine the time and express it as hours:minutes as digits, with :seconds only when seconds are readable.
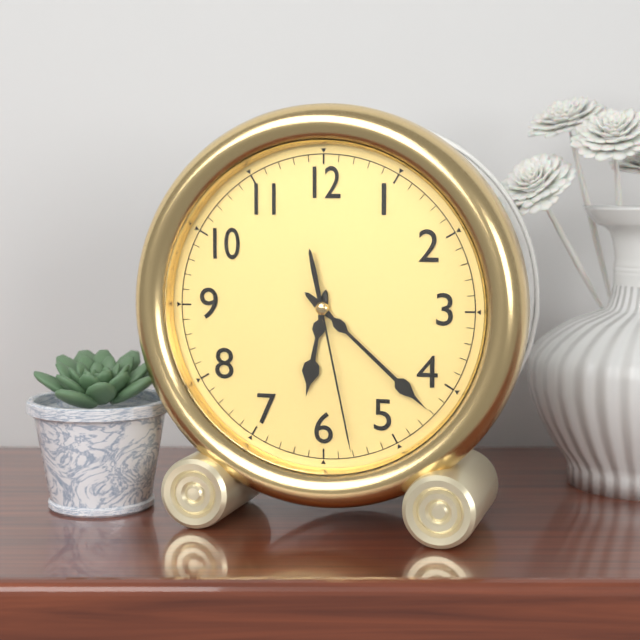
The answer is 6:22:28
